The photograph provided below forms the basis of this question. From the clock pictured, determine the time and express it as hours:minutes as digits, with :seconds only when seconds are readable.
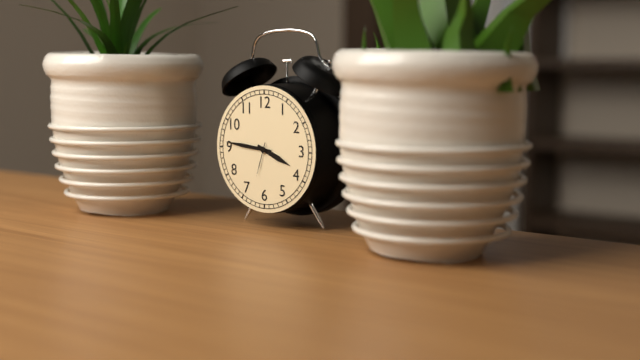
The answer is 3:46
